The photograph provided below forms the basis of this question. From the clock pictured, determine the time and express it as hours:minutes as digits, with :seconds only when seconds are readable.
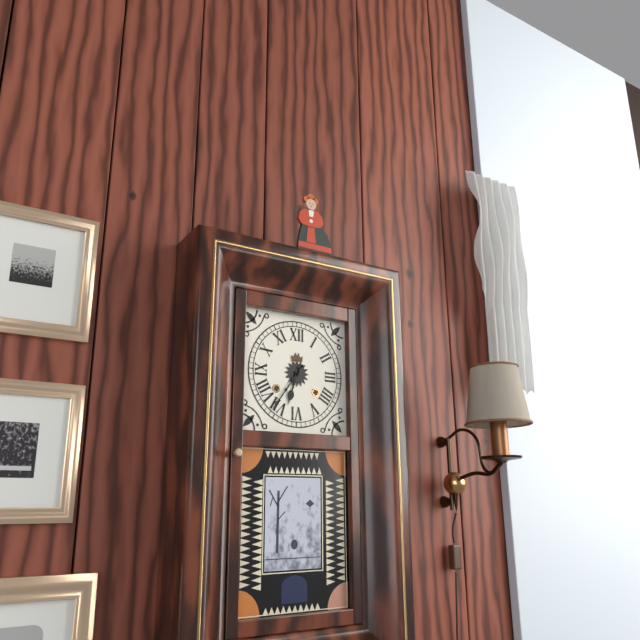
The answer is 6:36
